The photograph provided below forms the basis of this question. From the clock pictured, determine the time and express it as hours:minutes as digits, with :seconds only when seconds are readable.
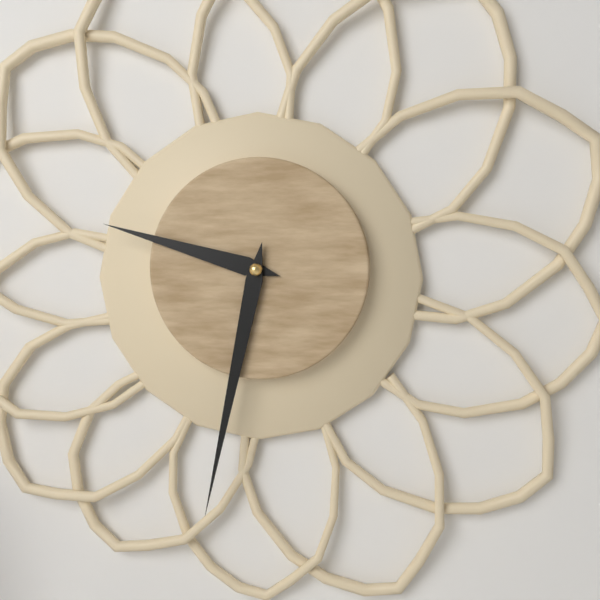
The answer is 9:32
